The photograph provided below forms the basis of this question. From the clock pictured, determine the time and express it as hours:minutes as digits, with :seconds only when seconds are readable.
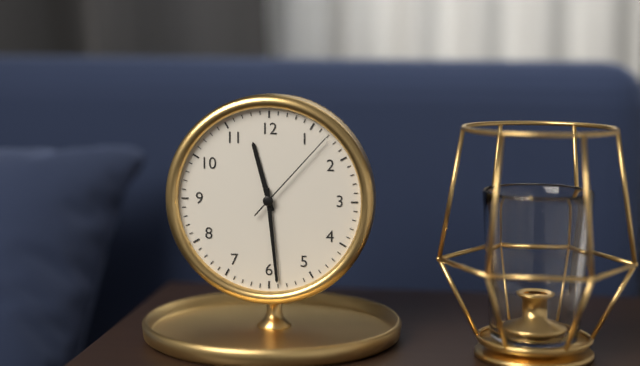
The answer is 11:29:07
